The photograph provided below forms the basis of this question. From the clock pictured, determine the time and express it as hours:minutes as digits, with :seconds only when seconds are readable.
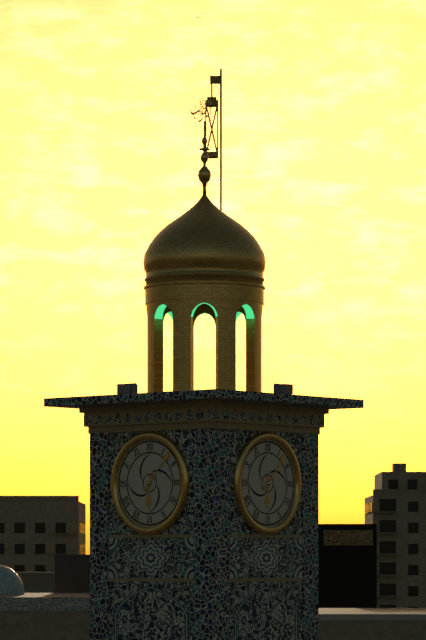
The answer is 6:07
